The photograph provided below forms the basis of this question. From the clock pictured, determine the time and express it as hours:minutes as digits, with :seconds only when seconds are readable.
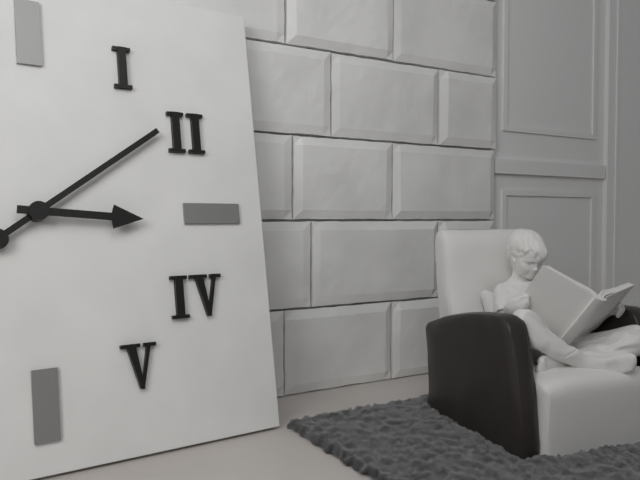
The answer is 3:09
